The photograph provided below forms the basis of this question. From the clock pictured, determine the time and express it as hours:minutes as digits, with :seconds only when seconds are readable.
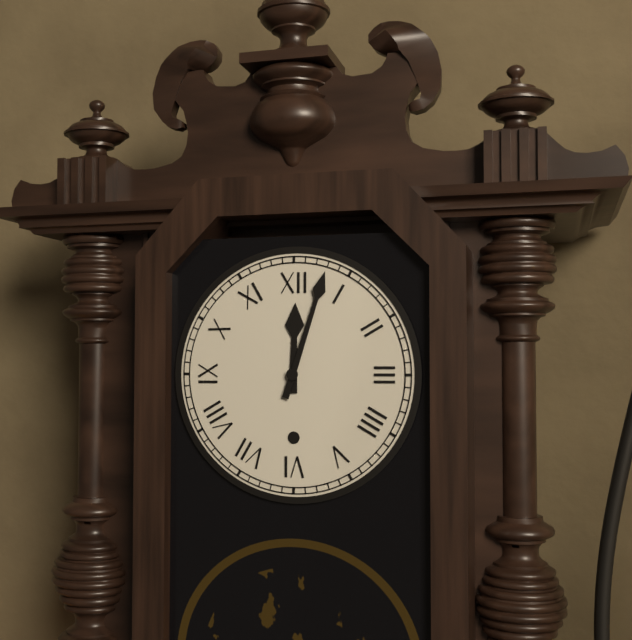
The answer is 12:03
